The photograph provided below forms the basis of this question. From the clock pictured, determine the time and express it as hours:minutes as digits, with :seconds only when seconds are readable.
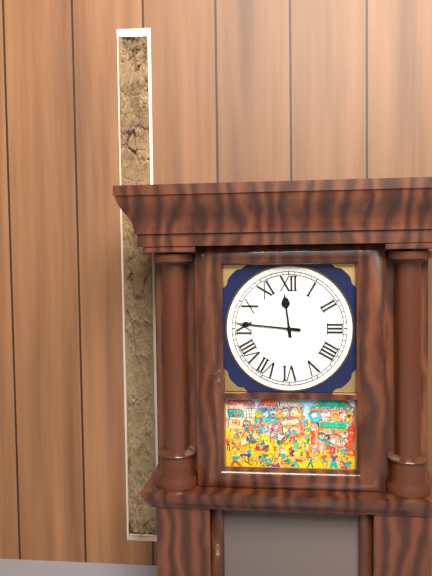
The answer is 11:46
